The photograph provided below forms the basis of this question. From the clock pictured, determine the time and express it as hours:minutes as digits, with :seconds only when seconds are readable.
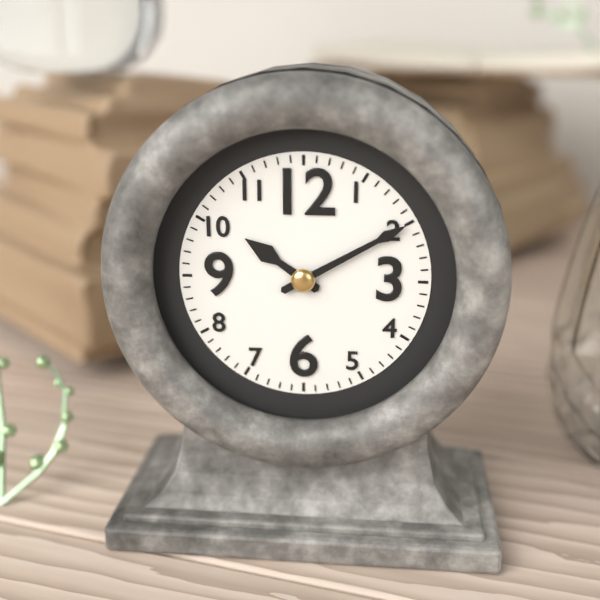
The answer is 10:10
